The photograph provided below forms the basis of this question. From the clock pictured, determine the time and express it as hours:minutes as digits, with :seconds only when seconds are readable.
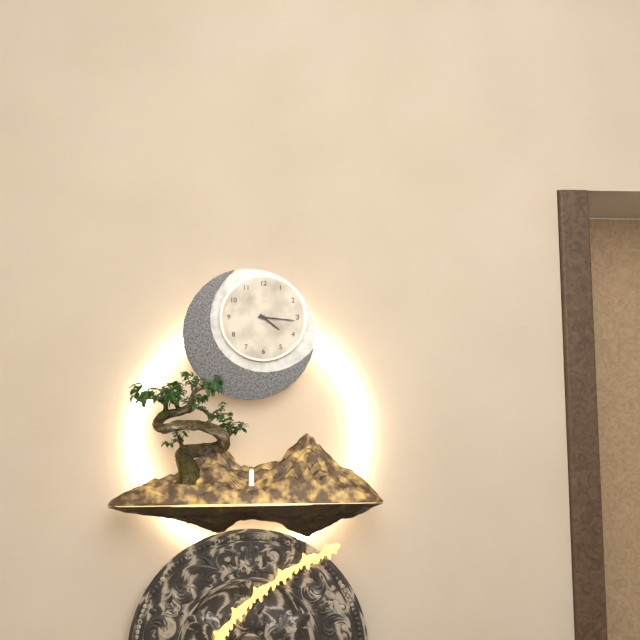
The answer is 4:16
